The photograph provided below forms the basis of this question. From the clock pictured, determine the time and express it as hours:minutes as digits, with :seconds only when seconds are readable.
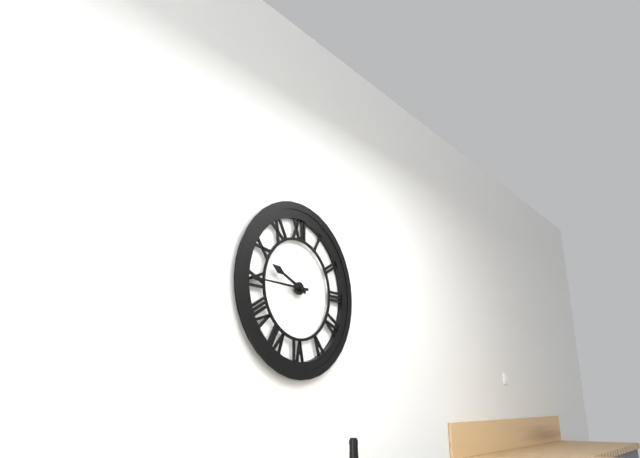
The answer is 9:45
